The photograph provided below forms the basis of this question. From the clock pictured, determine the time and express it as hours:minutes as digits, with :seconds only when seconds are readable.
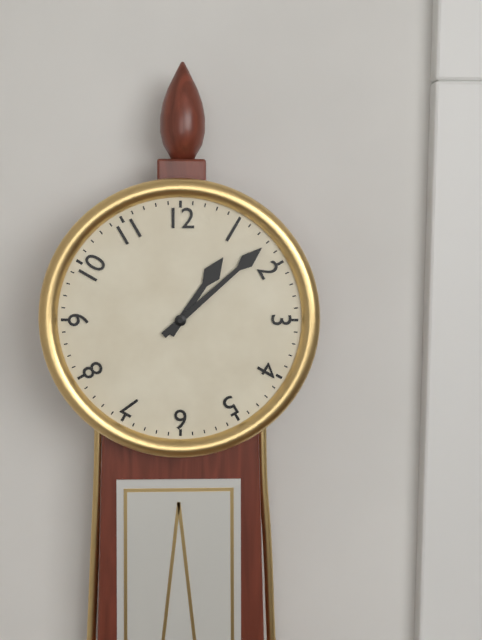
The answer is 1:08
